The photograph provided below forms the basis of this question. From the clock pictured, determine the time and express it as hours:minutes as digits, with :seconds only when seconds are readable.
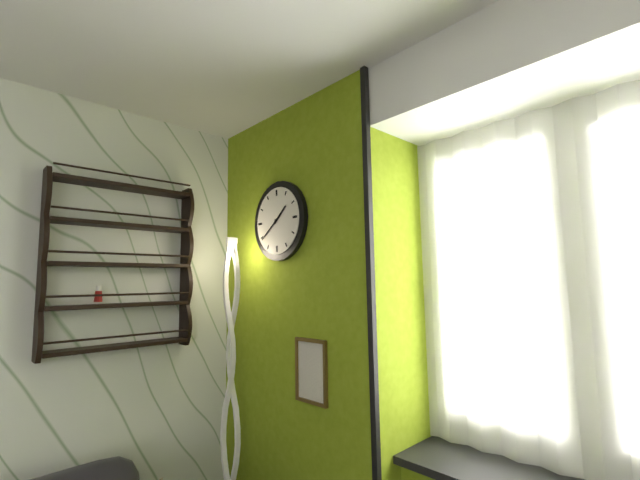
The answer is 1:39
